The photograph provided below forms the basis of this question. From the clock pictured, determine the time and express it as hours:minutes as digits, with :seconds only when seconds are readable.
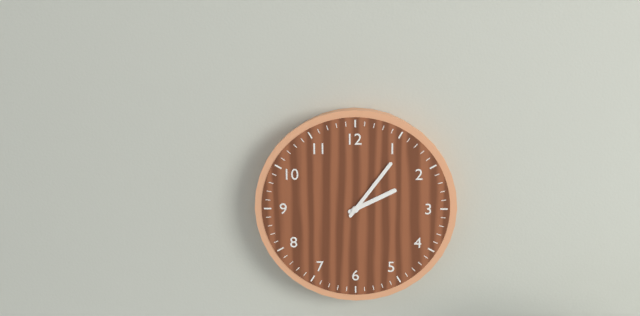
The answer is 2:06
